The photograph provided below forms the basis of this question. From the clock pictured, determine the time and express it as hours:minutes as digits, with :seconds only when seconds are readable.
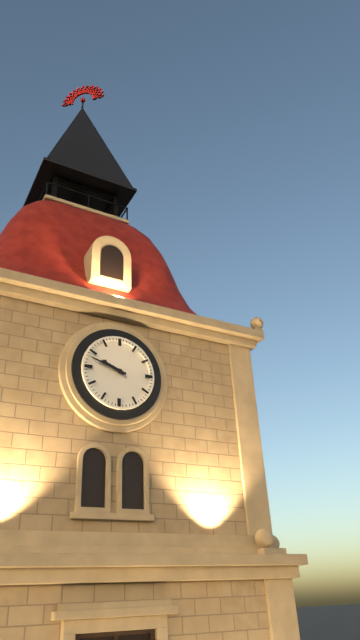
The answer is 9:48
